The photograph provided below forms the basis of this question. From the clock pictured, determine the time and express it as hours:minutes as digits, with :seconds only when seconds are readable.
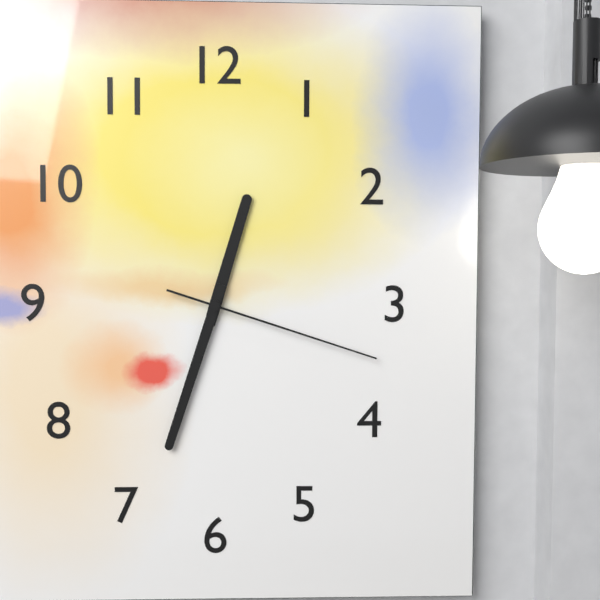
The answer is 12:33:18
